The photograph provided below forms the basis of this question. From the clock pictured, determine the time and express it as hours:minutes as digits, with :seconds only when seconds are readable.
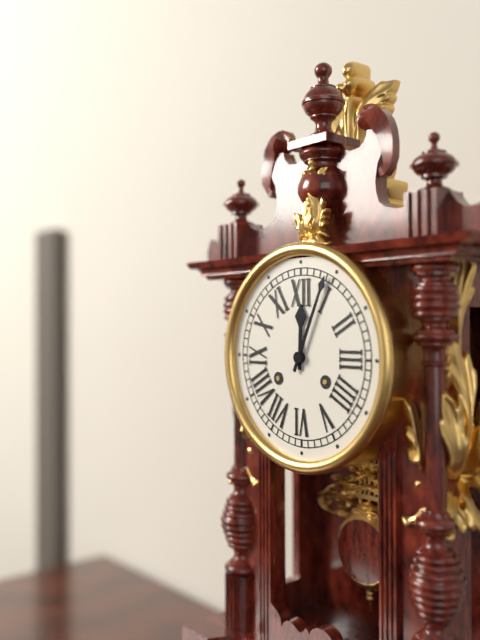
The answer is 12:04
